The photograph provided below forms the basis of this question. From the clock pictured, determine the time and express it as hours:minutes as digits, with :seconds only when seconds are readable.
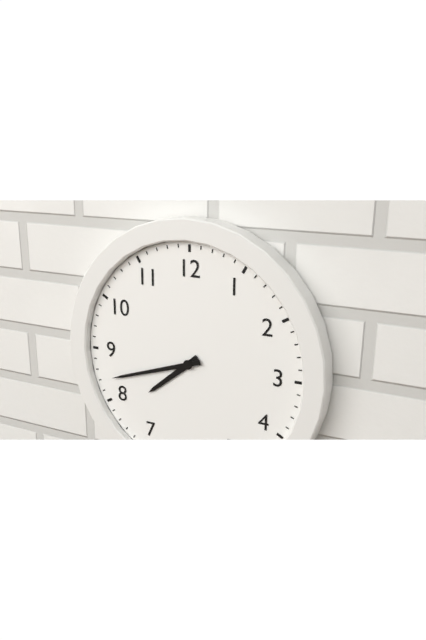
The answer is 7:42
